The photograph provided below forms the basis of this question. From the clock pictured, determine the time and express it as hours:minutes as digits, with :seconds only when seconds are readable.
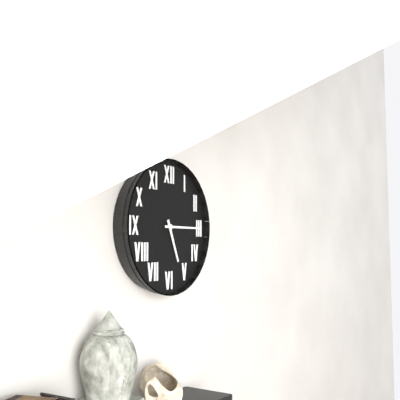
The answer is 5:15
